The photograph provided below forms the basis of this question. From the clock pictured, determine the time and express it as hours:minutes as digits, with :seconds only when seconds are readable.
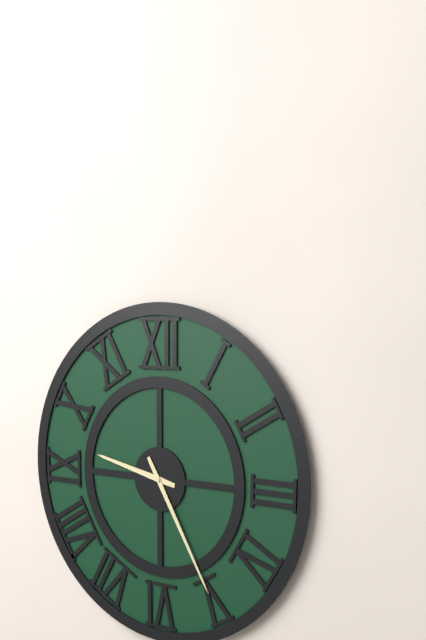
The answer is 9:25
